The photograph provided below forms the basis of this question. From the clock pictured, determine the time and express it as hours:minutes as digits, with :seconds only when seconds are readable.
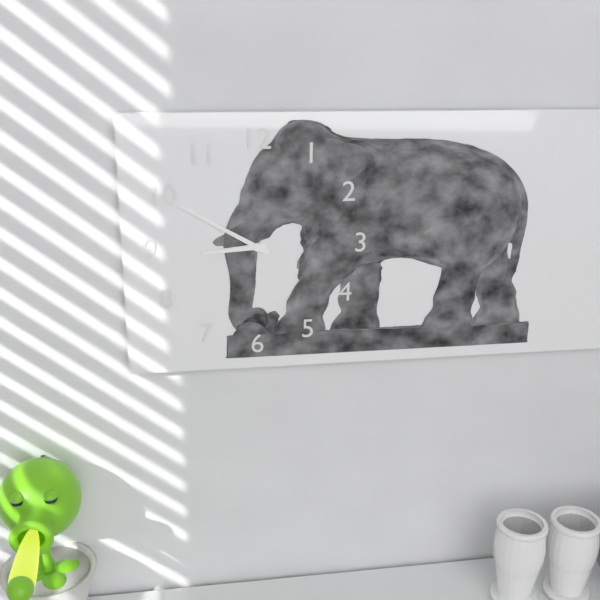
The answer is 8:50
